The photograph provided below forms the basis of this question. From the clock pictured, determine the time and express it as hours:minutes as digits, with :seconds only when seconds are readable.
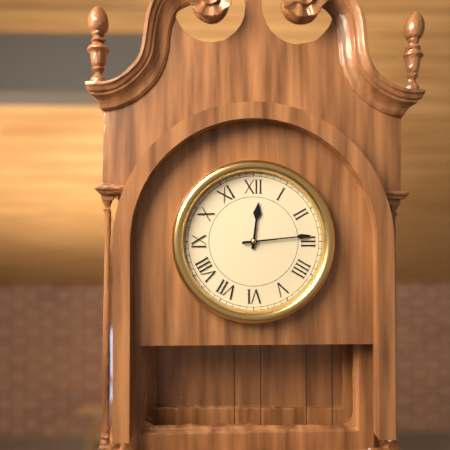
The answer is 12:14
